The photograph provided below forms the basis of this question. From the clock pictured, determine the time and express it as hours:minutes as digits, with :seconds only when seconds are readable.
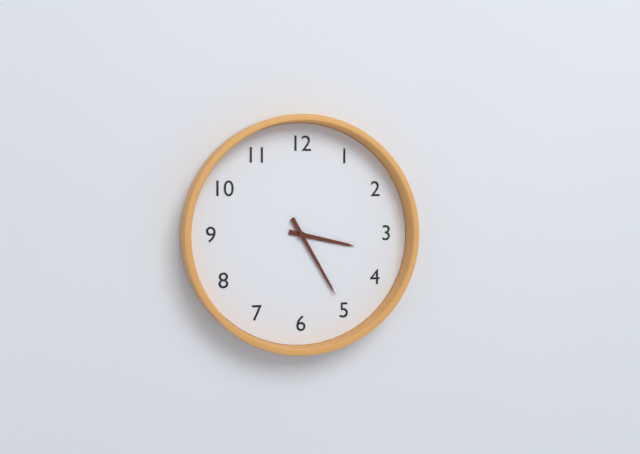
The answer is 3:25
